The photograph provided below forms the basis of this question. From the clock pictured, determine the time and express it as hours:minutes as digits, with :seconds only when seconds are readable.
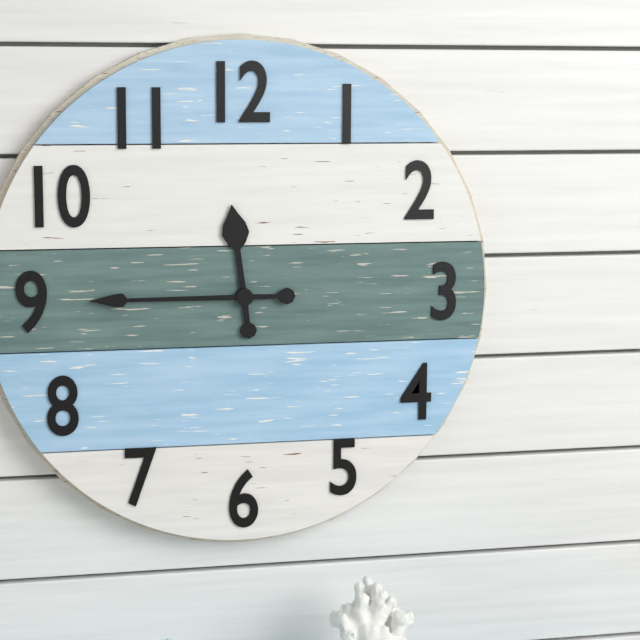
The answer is 11:45
